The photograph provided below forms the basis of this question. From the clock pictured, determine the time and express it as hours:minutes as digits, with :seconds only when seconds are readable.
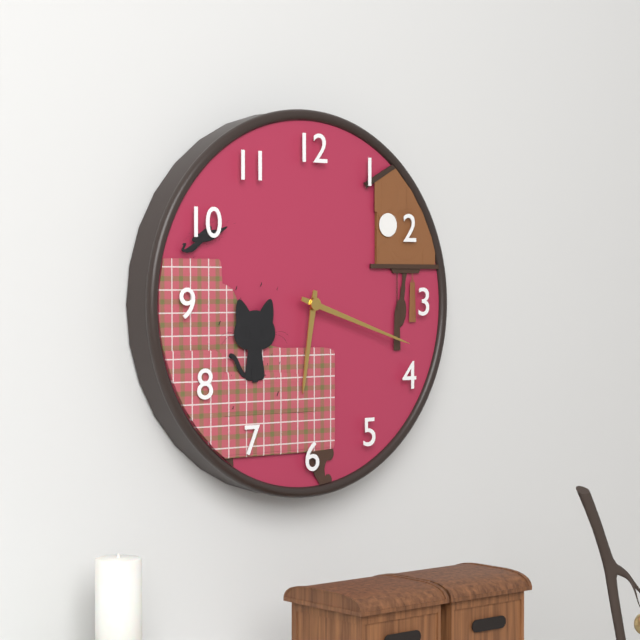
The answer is 6:18
